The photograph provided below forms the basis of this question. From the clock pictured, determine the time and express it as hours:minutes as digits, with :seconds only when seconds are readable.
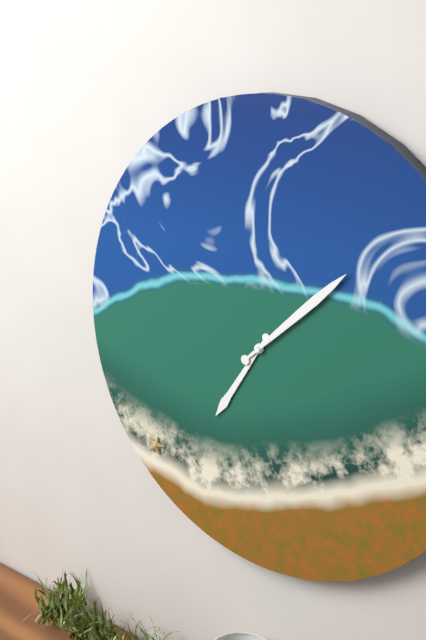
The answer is 7:08
